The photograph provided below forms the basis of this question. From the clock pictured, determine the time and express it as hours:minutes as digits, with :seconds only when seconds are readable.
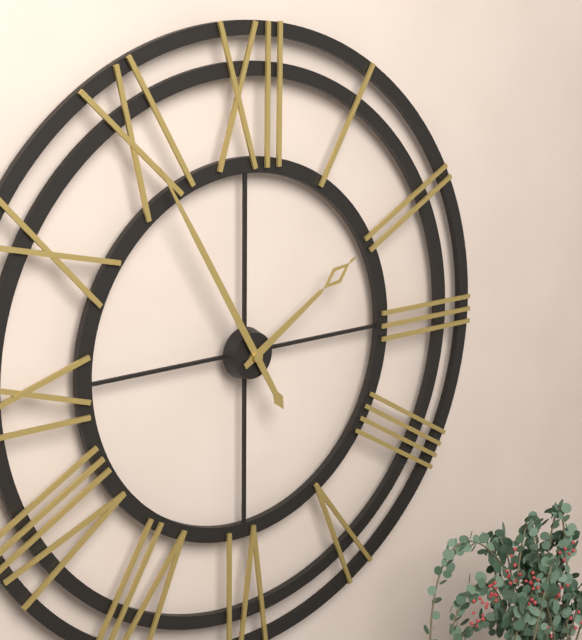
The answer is 1:55
